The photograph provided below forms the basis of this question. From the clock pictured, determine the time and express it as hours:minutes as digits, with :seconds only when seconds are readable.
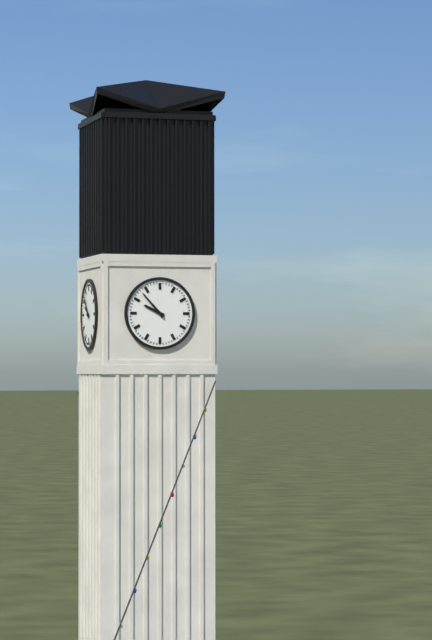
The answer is 9:53
